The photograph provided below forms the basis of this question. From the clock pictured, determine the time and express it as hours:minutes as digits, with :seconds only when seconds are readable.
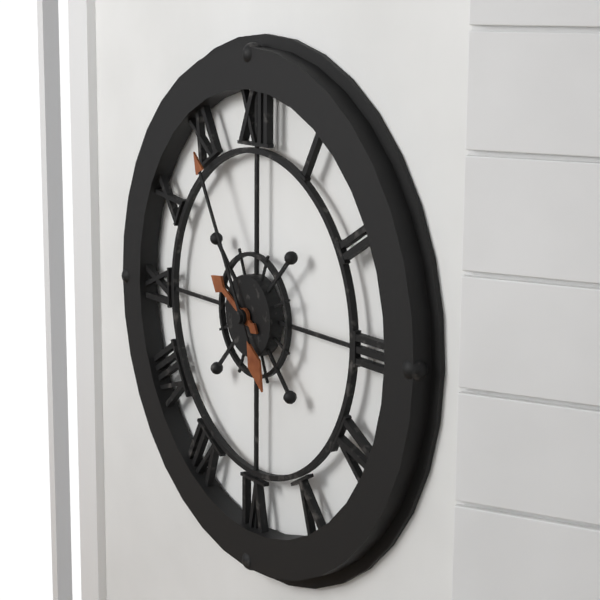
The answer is 9:55
